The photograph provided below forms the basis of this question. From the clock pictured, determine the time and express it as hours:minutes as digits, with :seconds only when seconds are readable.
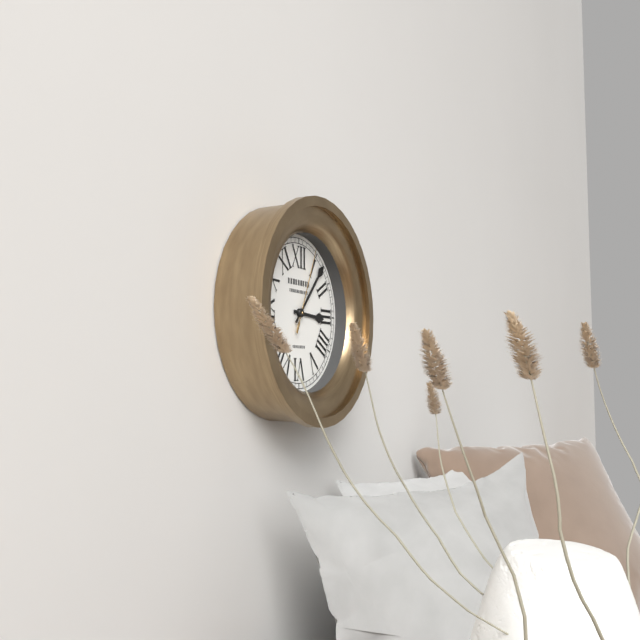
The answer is 3:07:04
